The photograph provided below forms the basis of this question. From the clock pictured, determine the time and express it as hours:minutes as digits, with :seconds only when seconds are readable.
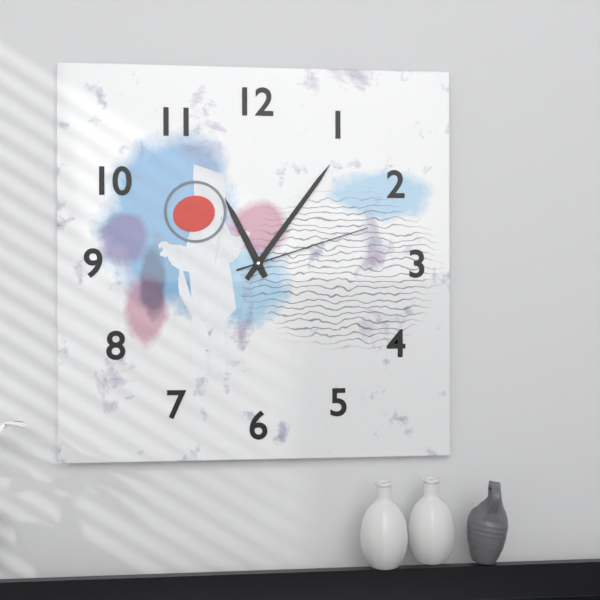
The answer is 11:06:12
